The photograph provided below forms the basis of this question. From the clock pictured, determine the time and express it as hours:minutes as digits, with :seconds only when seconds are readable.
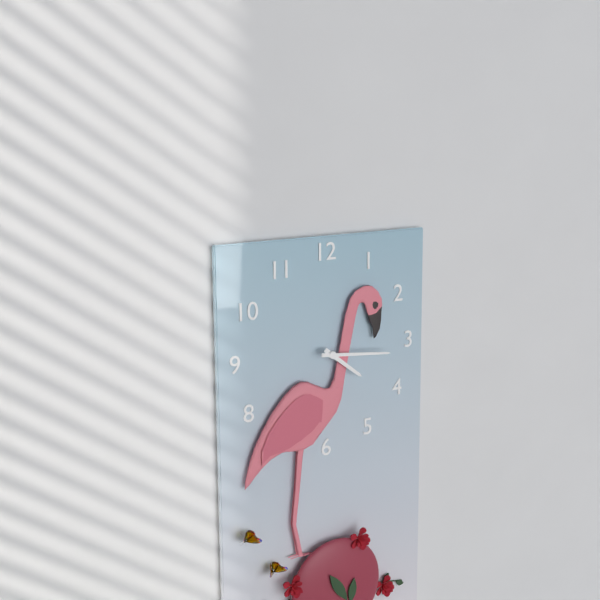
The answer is 4:16
